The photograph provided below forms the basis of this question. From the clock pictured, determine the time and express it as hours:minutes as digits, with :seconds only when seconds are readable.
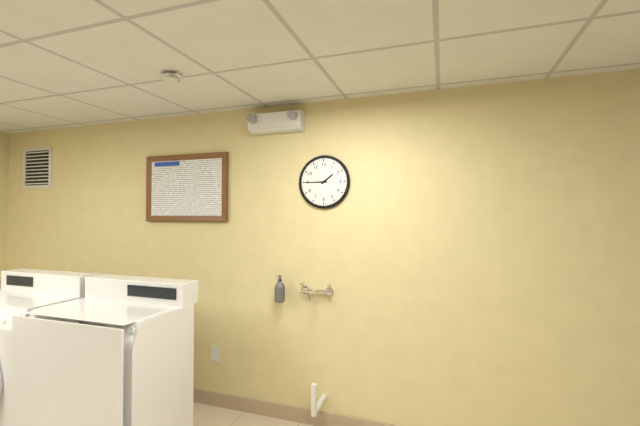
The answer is 1:45
